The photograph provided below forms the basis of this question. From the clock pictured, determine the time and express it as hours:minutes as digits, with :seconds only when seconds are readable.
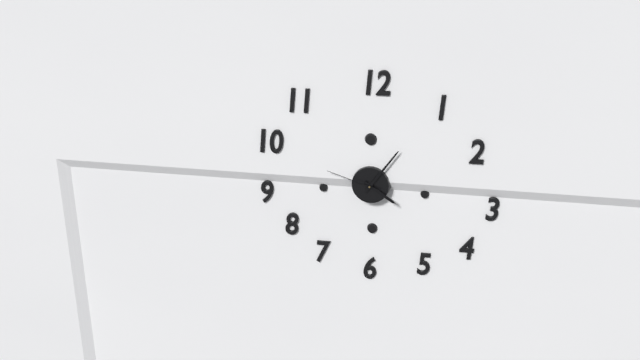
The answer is 4:06:48
